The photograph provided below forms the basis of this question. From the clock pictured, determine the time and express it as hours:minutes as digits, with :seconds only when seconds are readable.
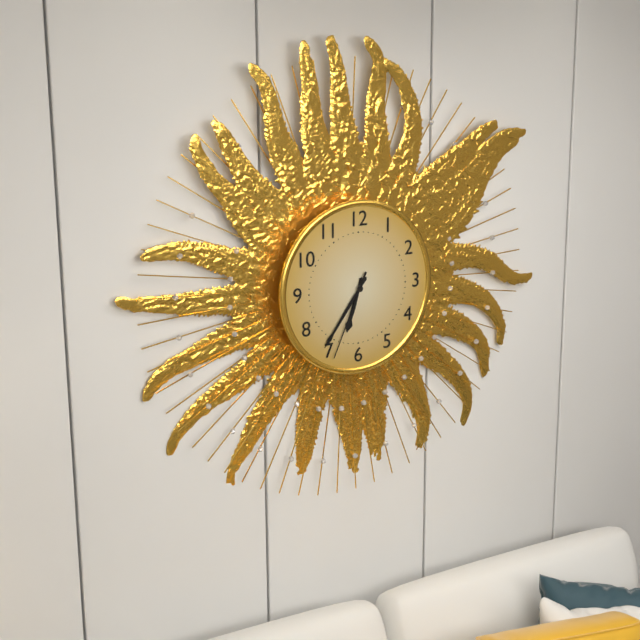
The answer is 6:36:34
